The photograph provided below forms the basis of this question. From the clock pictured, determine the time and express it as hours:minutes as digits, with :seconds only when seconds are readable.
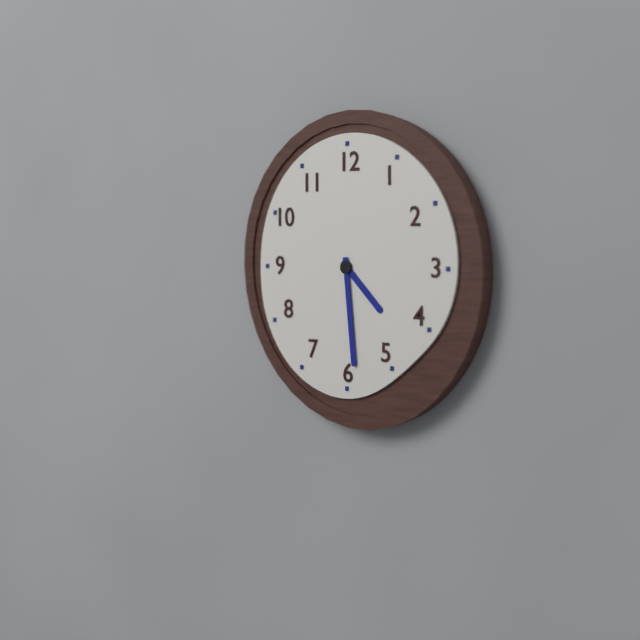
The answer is 4:29
